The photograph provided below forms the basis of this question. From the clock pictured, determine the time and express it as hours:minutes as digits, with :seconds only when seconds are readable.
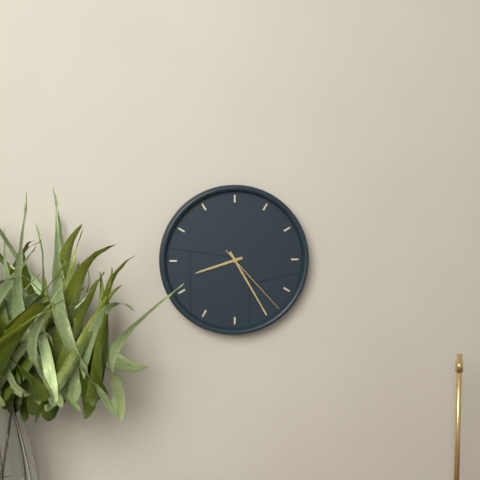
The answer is 8:25:23
